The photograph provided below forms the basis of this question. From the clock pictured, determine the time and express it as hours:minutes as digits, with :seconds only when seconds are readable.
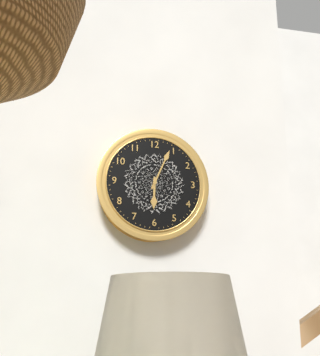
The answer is 6:04
